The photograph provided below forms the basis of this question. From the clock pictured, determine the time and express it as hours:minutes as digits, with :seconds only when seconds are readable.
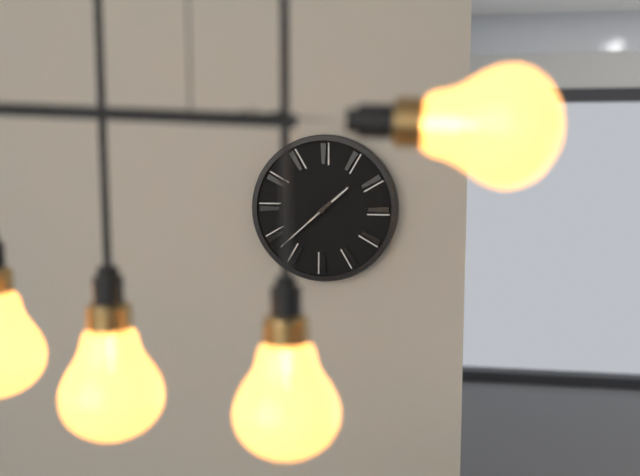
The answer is 1:38
